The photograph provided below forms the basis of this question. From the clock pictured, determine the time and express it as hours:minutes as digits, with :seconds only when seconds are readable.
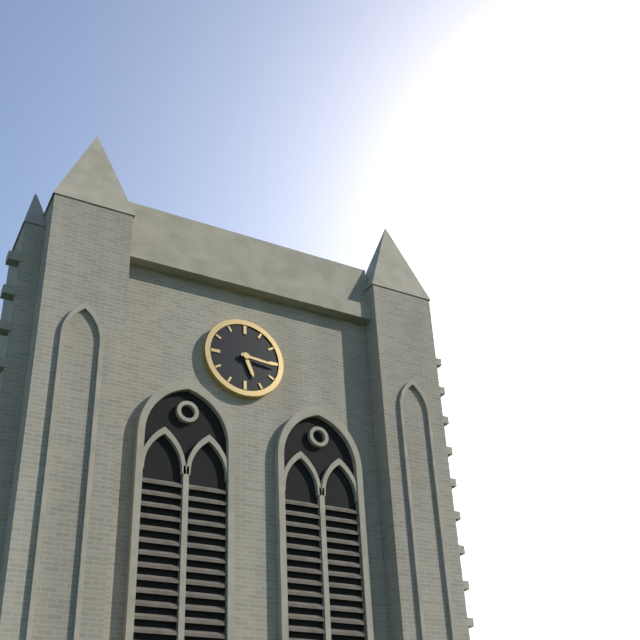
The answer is 5:16
